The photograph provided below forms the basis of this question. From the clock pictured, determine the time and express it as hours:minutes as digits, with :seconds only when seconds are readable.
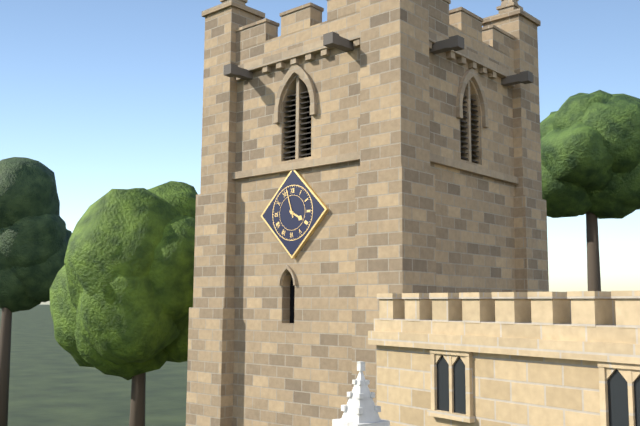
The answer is 3:57
